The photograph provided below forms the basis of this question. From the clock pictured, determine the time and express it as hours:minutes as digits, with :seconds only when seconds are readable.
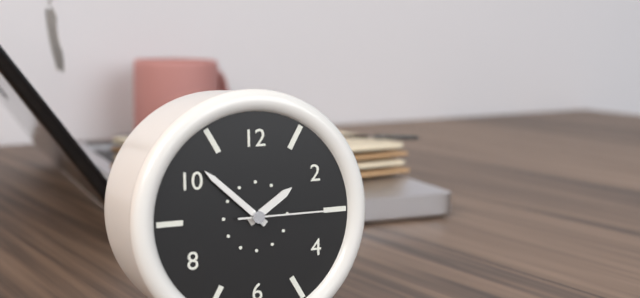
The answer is 1:52:15
